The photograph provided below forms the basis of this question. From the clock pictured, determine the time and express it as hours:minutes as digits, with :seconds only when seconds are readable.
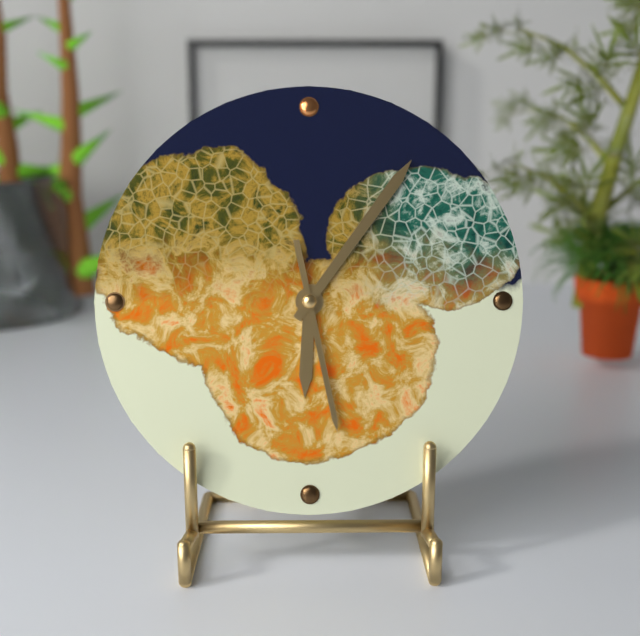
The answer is 6:06:28
